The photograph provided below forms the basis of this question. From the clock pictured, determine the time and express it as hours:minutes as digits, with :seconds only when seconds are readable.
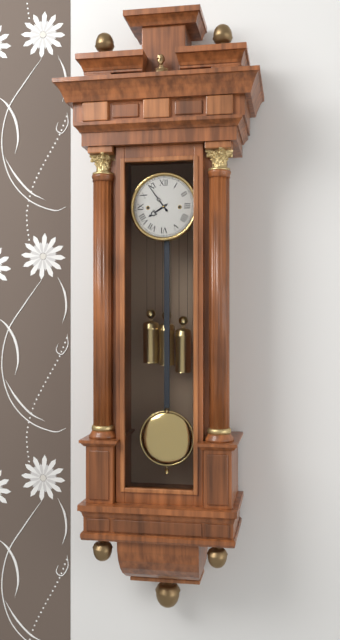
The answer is 7:54
